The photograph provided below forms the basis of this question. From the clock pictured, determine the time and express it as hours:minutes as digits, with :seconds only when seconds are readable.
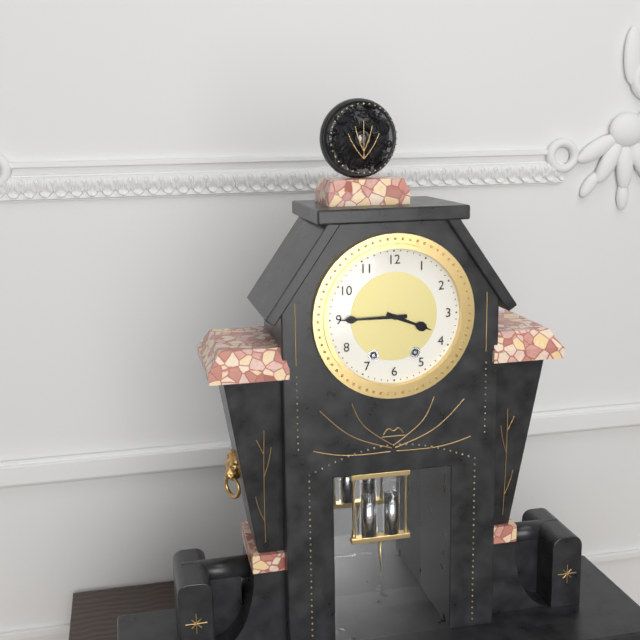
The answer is 3:45
